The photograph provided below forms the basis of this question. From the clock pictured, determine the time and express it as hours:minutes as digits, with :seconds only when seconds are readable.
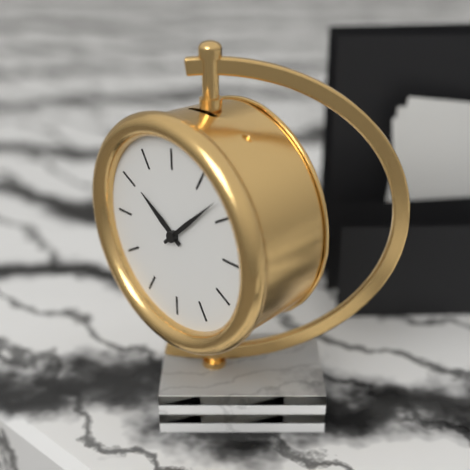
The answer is 10:08
